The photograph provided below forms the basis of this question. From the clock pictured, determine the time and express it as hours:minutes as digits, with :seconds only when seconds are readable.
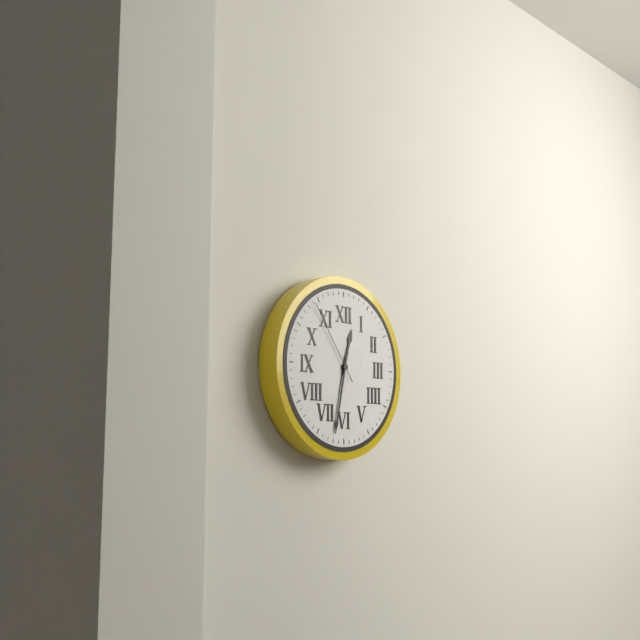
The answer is 12:32:54
